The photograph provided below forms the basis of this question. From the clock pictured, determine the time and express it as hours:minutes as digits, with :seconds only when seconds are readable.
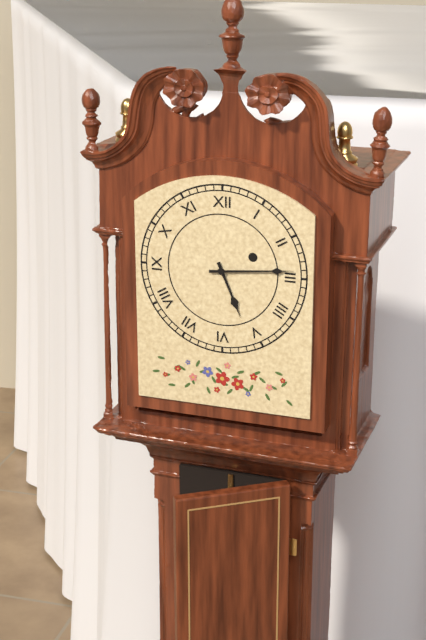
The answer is 5:14
